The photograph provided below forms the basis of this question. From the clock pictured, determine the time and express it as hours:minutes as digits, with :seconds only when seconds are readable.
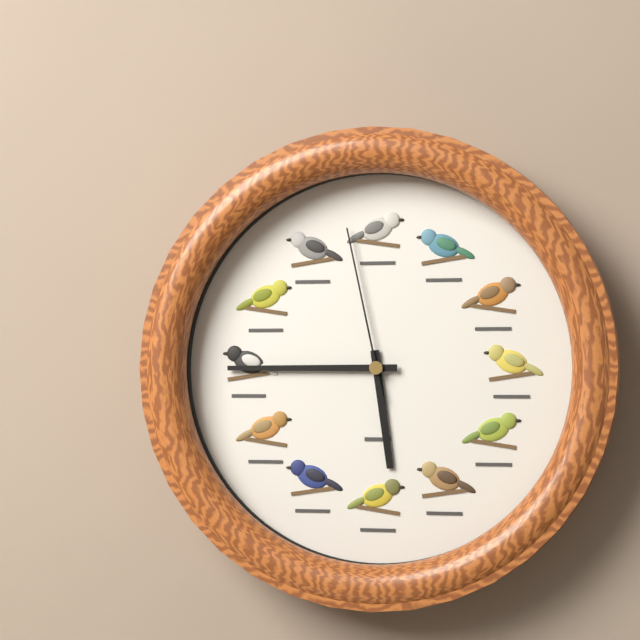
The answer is 5:45:58
